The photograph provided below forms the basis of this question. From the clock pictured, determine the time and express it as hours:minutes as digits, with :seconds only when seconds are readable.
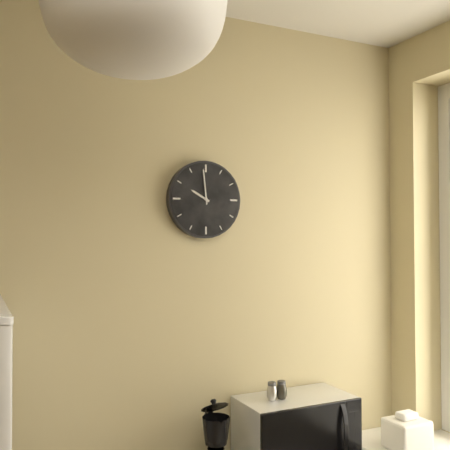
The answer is 9:59
